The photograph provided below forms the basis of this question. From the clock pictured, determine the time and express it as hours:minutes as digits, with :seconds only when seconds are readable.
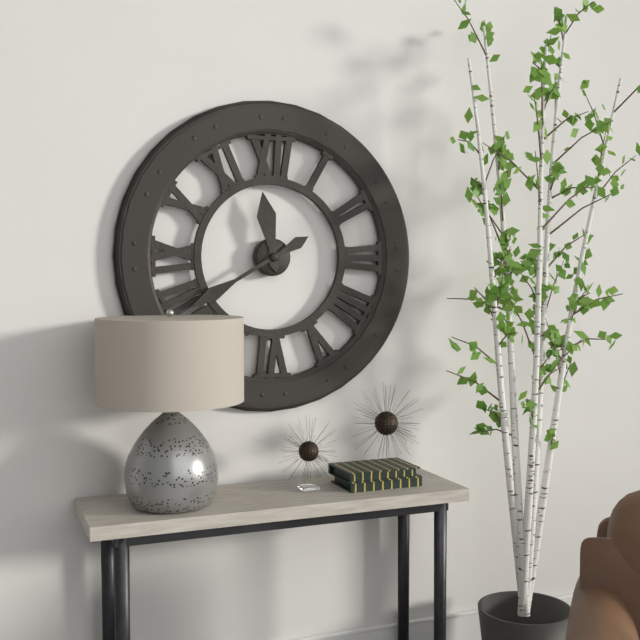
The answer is 11:40
